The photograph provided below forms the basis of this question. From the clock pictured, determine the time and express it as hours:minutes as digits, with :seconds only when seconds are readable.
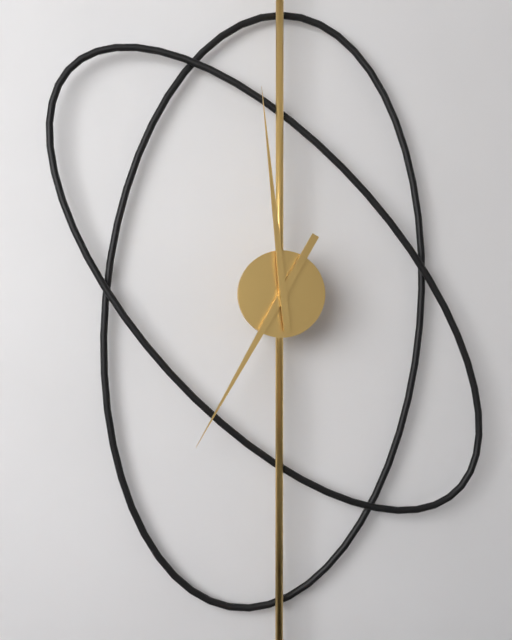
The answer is 6:59
